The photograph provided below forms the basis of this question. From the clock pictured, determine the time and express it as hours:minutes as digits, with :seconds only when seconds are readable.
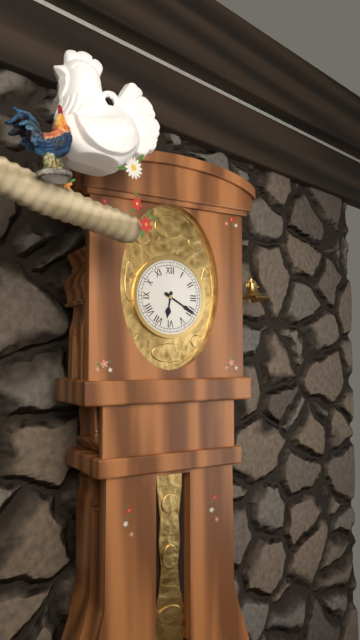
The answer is 6:20
